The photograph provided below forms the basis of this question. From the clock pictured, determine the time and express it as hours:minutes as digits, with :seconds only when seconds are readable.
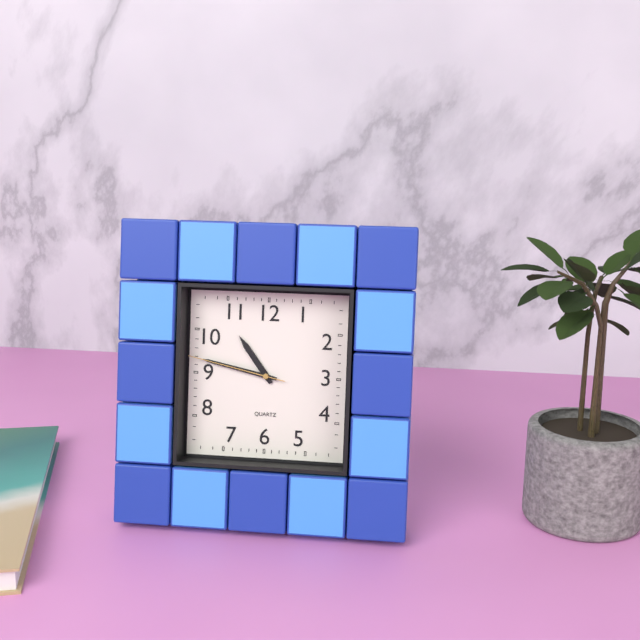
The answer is 10:47:47
